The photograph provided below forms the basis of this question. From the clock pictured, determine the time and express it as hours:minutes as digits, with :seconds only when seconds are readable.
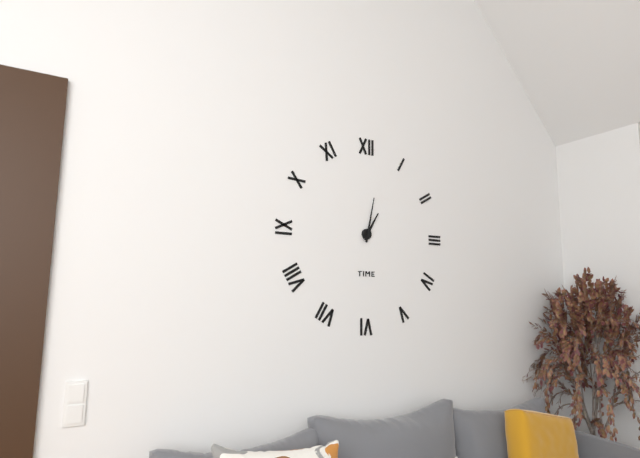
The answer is 1:02
